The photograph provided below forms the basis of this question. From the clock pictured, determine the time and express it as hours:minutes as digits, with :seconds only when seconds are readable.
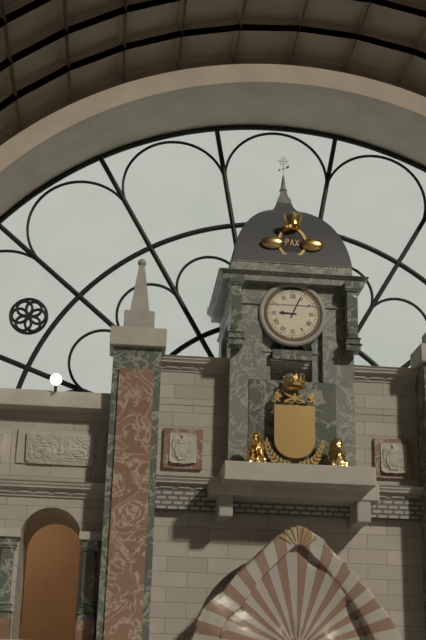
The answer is 9:04
